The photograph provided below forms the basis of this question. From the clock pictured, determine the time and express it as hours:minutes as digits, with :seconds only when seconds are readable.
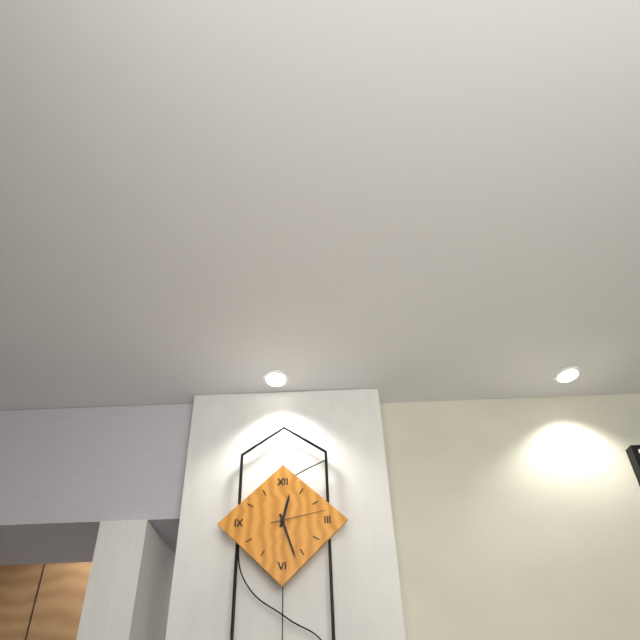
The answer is 12:27:13
